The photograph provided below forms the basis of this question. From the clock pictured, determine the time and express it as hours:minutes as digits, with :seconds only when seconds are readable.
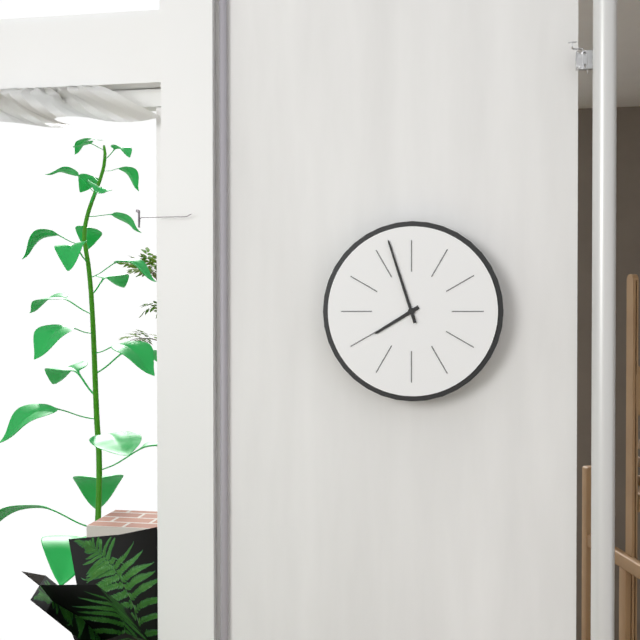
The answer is 7:57
